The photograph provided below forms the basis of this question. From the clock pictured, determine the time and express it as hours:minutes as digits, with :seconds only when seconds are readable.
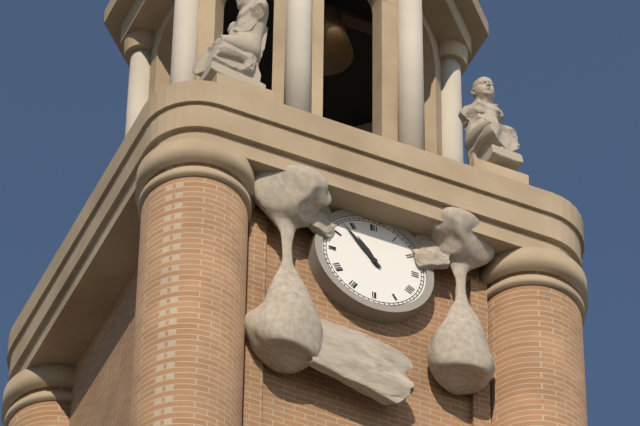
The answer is 10:53
